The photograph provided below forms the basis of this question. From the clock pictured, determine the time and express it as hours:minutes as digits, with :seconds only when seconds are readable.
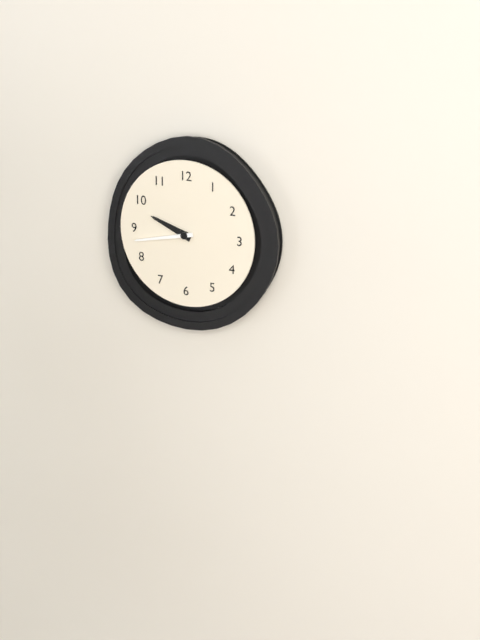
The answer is 9:43
